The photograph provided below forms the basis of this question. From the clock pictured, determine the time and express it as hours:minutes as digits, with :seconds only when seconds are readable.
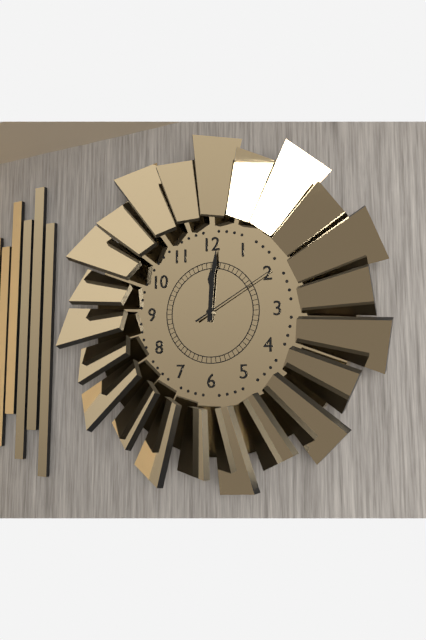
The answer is 12:01:10
